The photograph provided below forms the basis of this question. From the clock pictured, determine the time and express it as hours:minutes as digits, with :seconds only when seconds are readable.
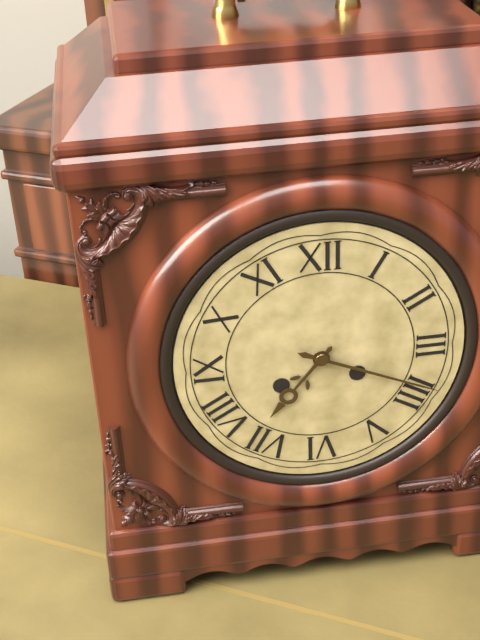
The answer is 7:19
